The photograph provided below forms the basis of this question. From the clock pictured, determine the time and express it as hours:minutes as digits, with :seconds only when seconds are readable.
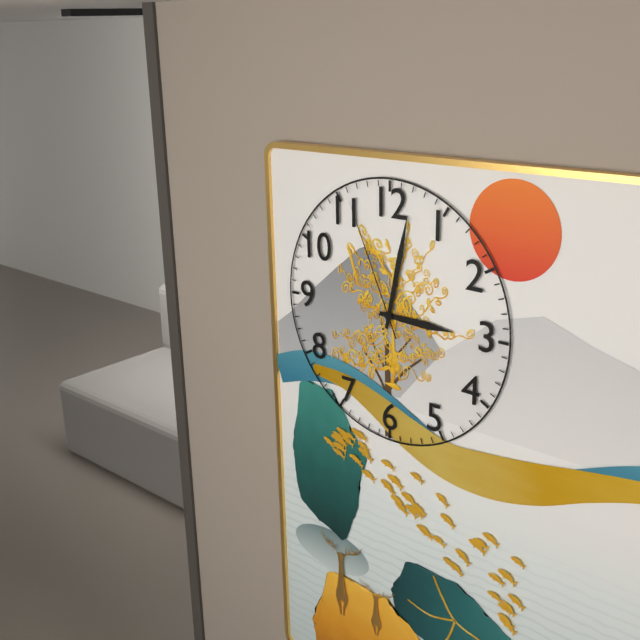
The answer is 3:02:56
